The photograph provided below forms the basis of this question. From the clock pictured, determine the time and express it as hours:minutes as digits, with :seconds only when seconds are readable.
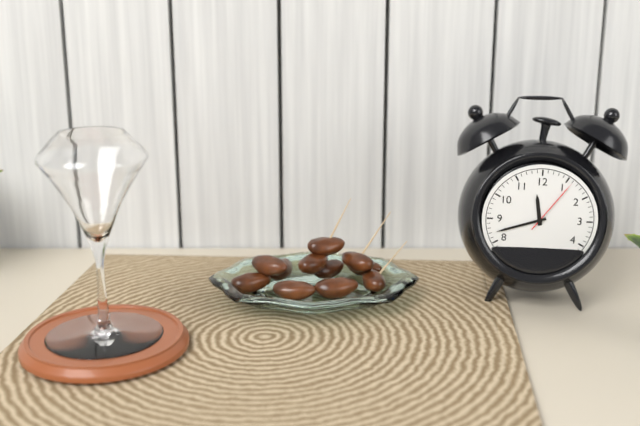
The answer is 11:42:06
